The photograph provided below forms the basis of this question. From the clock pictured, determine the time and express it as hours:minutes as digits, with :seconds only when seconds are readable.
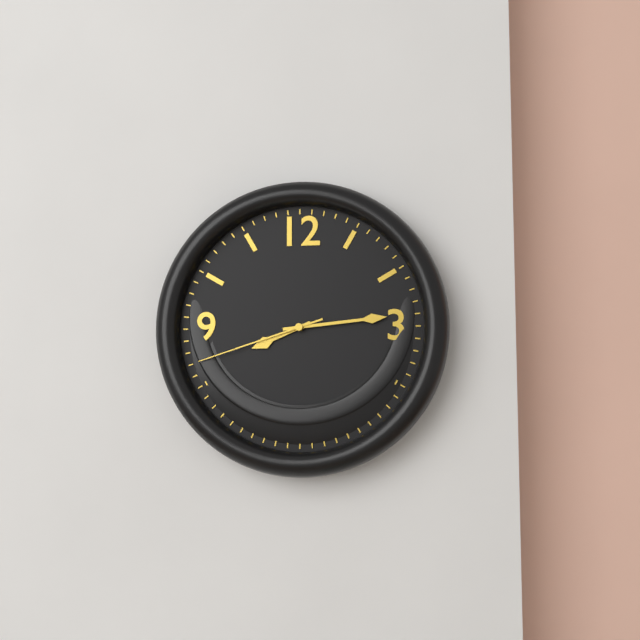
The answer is 8:14:42
